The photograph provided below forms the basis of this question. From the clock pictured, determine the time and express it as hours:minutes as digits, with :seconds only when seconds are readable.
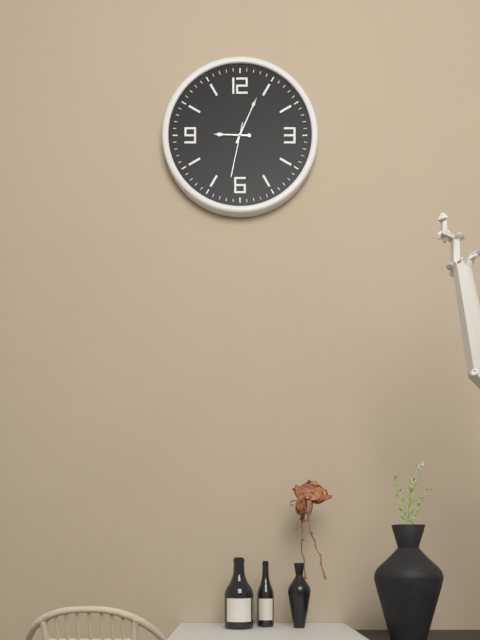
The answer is 9:04:32
